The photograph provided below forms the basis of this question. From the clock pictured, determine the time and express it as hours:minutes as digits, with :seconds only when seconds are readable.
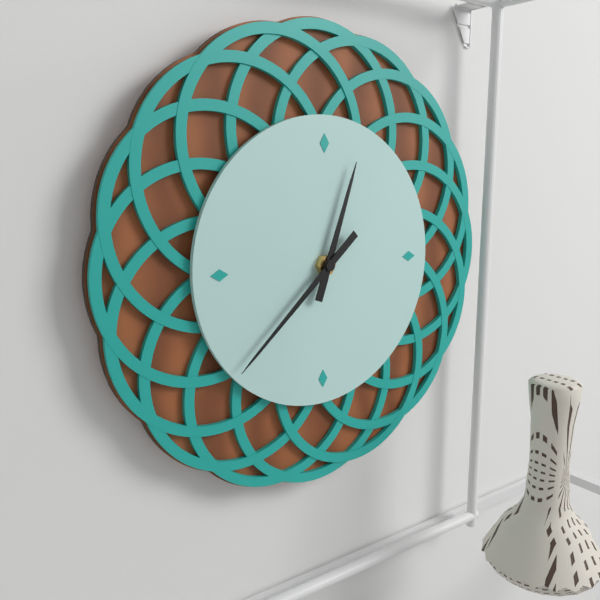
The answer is 12:38
